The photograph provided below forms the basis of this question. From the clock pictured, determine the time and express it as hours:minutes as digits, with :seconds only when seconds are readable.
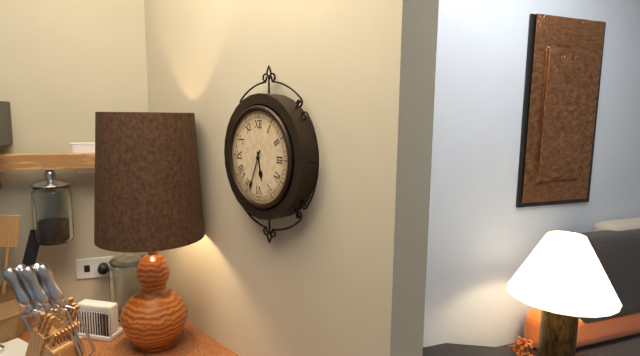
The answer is 5:34
